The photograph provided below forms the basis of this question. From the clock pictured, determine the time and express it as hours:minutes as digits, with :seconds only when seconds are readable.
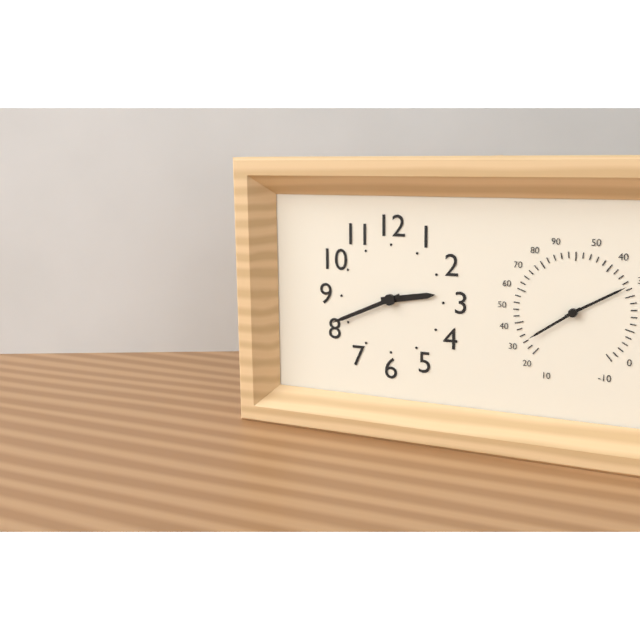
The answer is 2:41
